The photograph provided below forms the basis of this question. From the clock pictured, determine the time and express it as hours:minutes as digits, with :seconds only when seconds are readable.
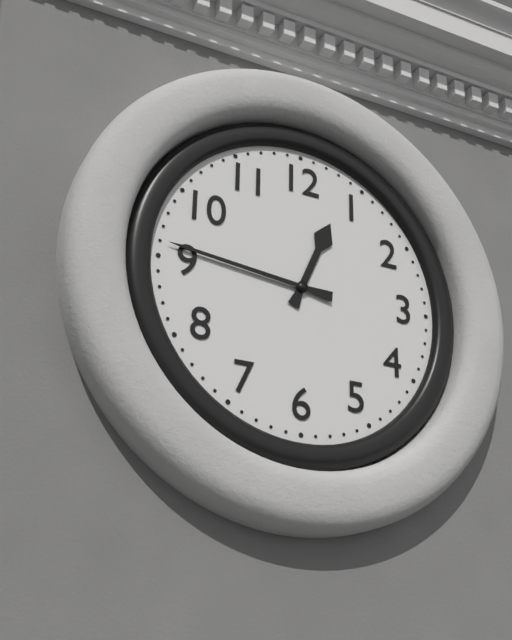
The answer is 12:46
